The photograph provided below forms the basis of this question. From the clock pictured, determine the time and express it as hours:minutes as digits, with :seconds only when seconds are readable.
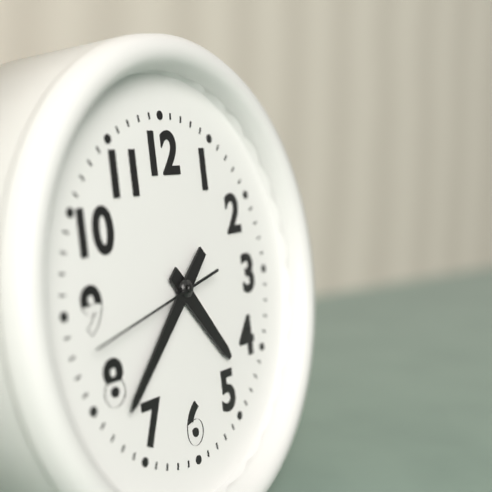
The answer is 4:38:43
